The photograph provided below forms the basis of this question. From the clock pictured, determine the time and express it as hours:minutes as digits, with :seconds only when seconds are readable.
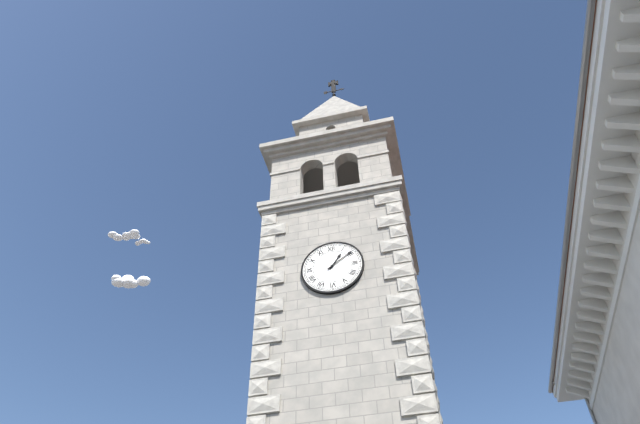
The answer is 1:09
